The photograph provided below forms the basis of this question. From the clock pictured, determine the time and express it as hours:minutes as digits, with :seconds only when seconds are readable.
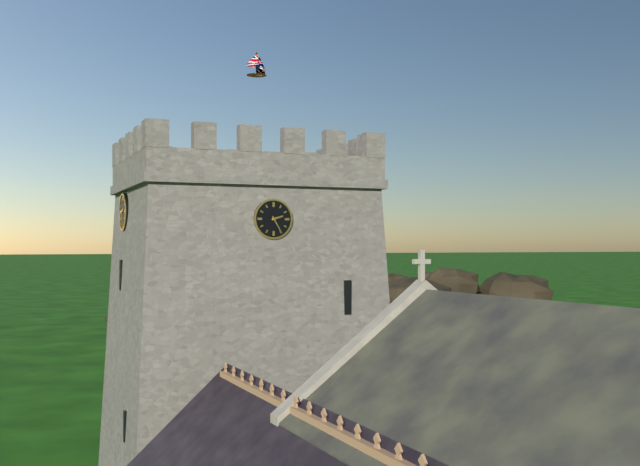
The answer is 2:25
